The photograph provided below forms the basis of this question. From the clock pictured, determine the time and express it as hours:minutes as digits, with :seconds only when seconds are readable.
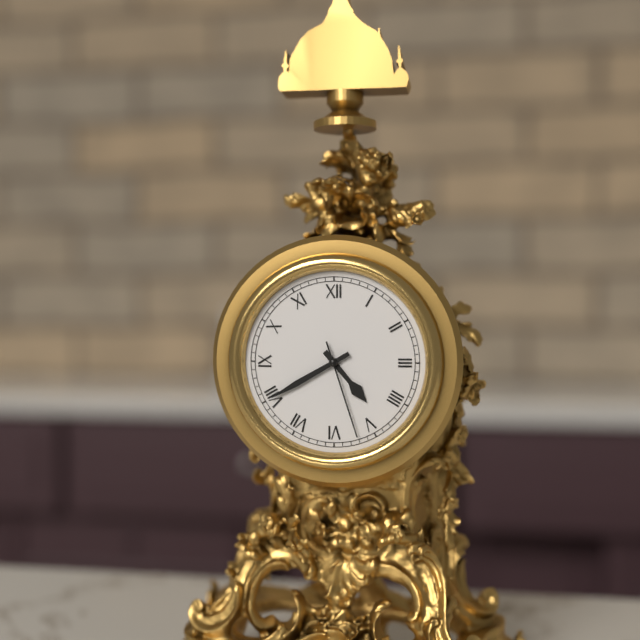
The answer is 4:40:27
